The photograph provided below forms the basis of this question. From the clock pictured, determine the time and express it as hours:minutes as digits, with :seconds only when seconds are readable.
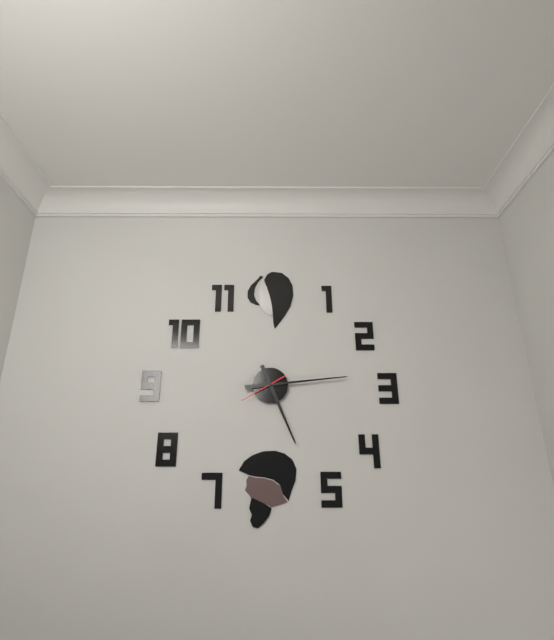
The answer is 5:14
